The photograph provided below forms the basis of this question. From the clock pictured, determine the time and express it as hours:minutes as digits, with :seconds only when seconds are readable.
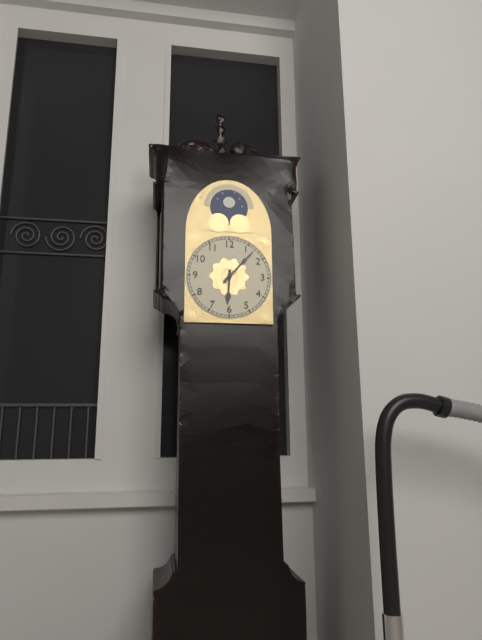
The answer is 6:07
